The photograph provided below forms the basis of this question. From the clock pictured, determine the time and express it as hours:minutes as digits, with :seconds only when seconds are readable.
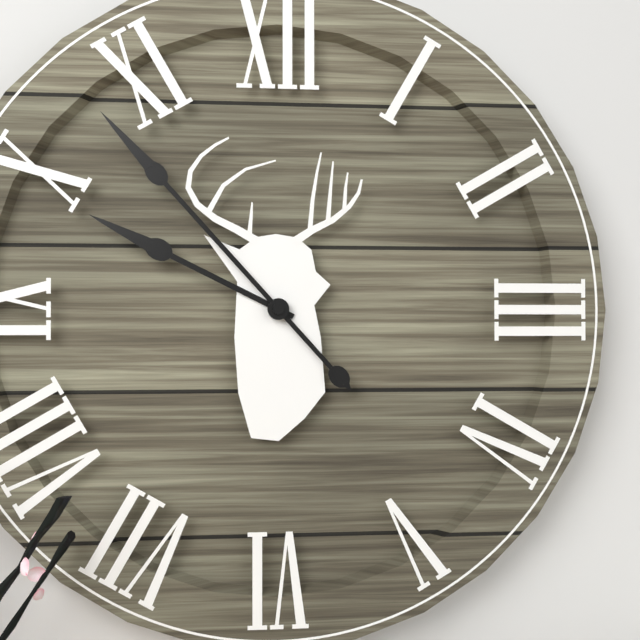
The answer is 9:53
